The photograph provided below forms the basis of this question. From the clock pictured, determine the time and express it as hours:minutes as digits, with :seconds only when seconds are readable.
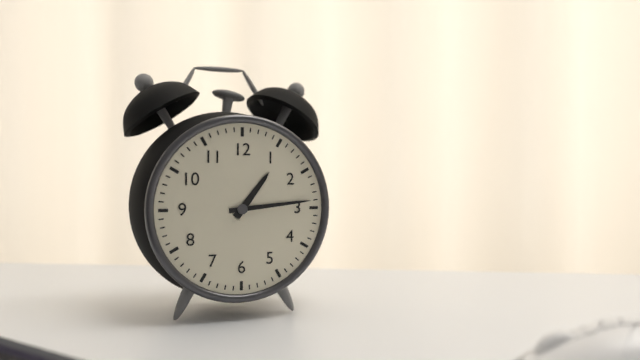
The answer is 1:14
